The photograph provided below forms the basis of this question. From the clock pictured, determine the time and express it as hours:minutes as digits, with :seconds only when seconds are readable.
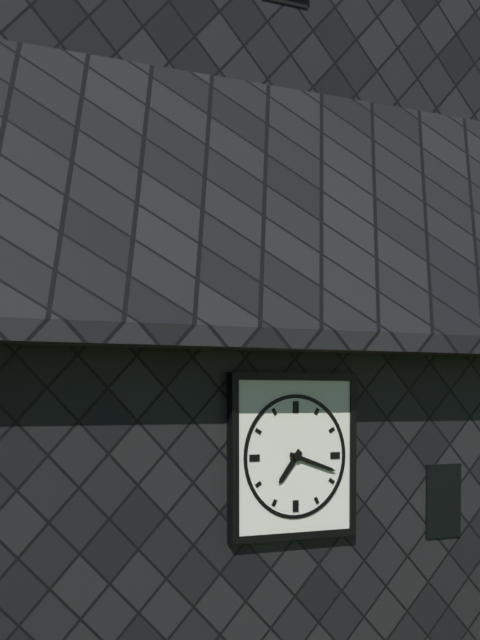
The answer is 7:18
